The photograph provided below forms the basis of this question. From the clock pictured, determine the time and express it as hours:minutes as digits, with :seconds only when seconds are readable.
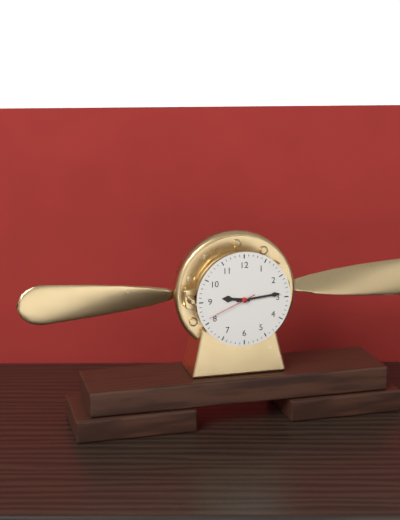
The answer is 9:14
